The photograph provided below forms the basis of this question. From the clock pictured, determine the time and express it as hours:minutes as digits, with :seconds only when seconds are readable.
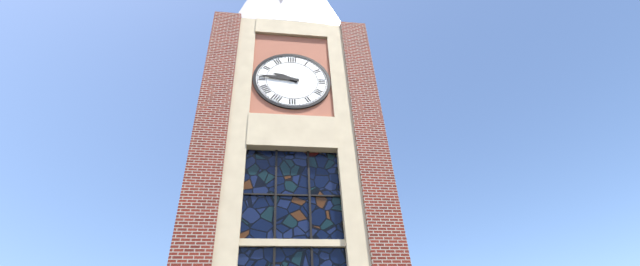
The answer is 9:46
